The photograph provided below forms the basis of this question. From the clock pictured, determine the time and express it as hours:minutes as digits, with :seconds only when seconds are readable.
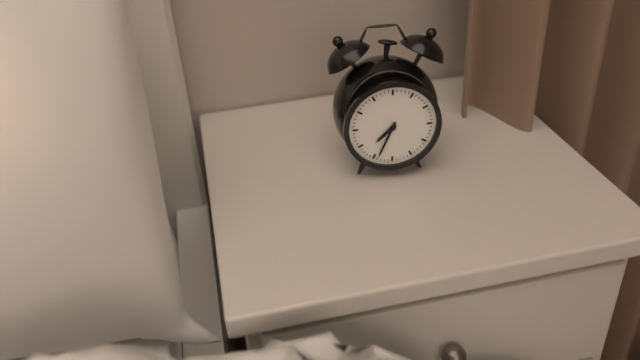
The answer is 7:34
